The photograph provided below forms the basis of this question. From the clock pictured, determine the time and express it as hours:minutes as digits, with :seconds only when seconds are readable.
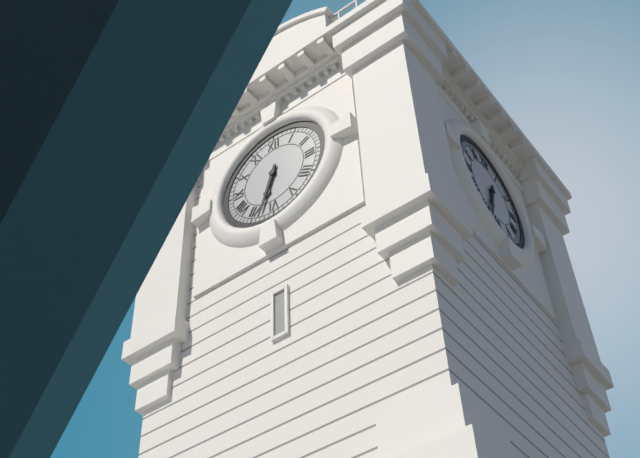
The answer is 6:33
